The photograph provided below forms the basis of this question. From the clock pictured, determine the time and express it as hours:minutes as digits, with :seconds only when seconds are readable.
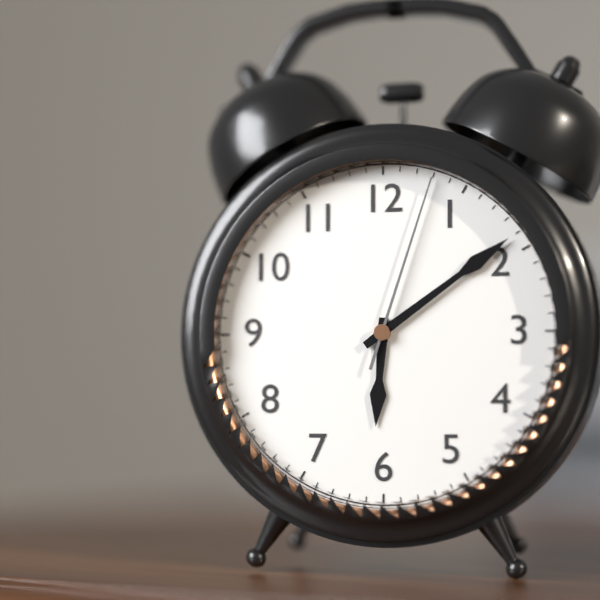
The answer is 6:09:03
